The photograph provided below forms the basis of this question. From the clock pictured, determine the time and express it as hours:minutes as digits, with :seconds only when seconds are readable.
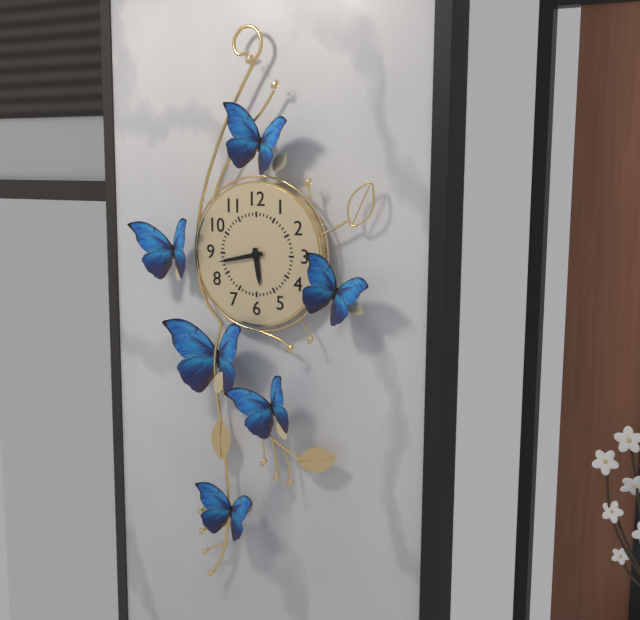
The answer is 5:43
